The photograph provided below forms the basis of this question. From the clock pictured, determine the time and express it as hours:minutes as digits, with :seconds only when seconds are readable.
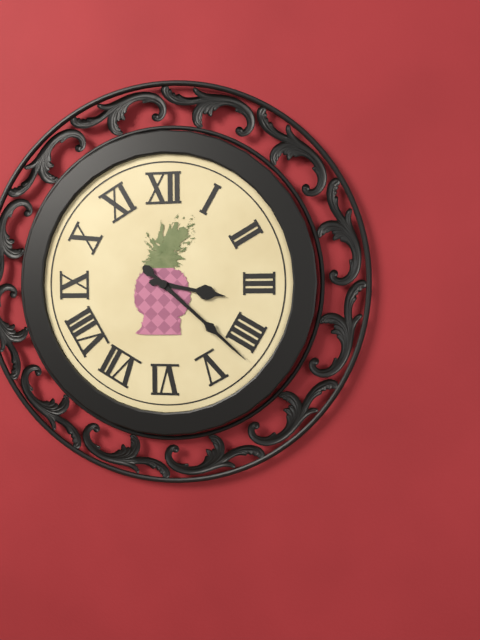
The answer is 3:22
